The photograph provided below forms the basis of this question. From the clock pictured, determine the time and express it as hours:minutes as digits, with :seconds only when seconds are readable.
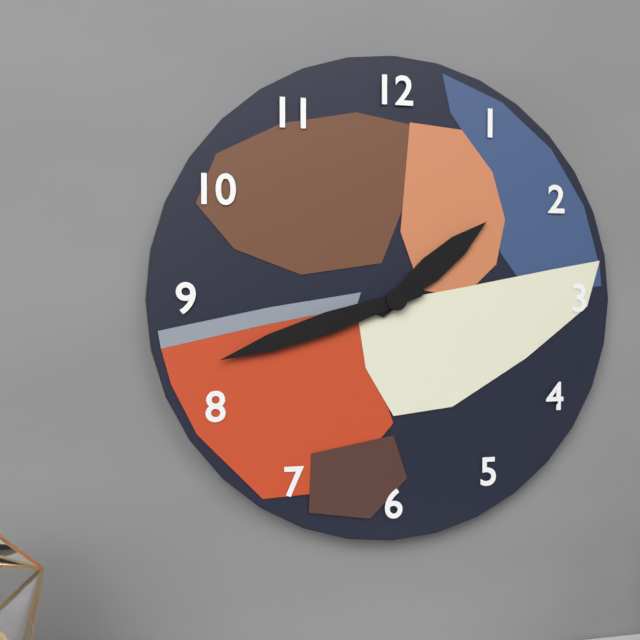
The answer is 1:42
